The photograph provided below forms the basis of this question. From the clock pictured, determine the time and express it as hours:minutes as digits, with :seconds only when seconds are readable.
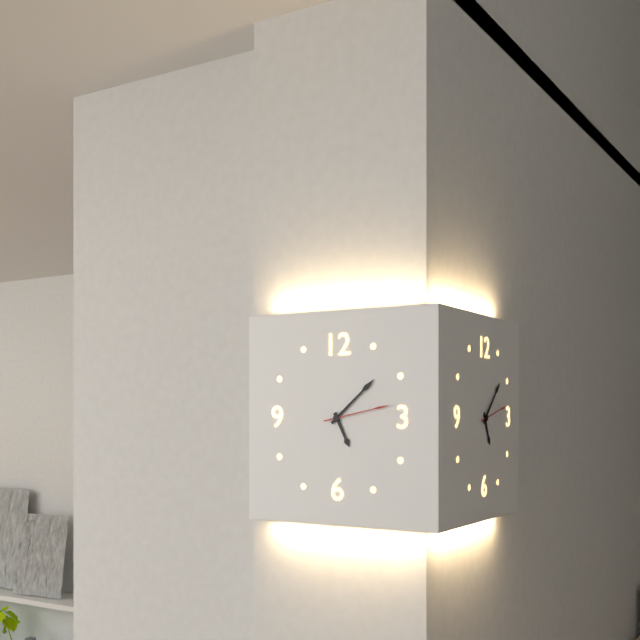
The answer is 5:08:13
